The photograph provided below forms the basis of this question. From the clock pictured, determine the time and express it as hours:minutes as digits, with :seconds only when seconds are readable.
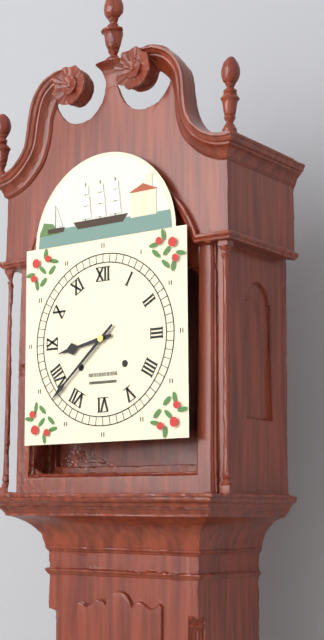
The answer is 8:38
